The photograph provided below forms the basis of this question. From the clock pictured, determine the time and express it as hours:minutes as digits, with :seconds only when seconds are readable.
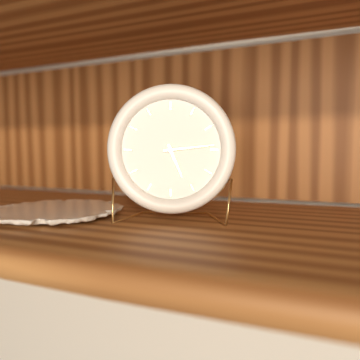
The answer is 5:14
